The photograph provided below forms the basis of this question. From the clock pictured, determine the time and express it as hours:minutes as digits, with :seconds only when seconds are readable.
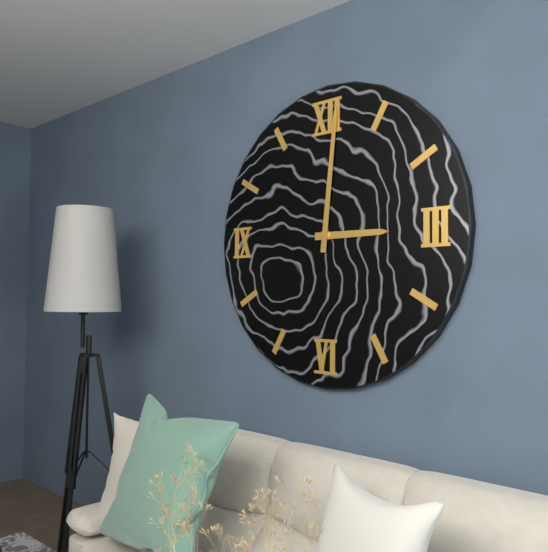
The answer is 3:01
